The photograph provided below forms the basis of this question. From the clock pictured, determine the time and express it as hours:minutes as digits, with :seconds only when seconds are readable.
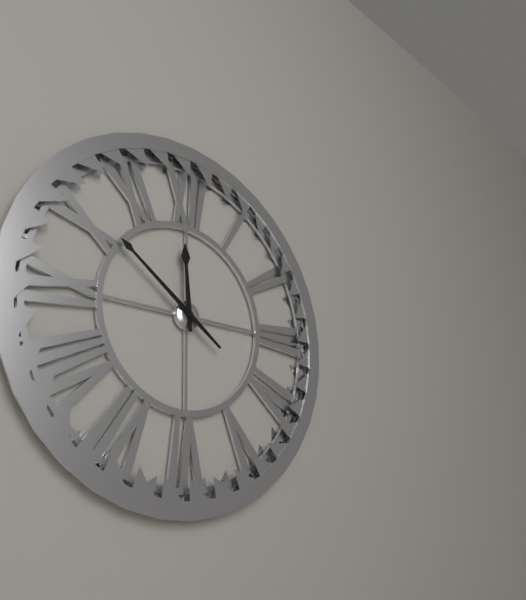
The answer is 11:51
